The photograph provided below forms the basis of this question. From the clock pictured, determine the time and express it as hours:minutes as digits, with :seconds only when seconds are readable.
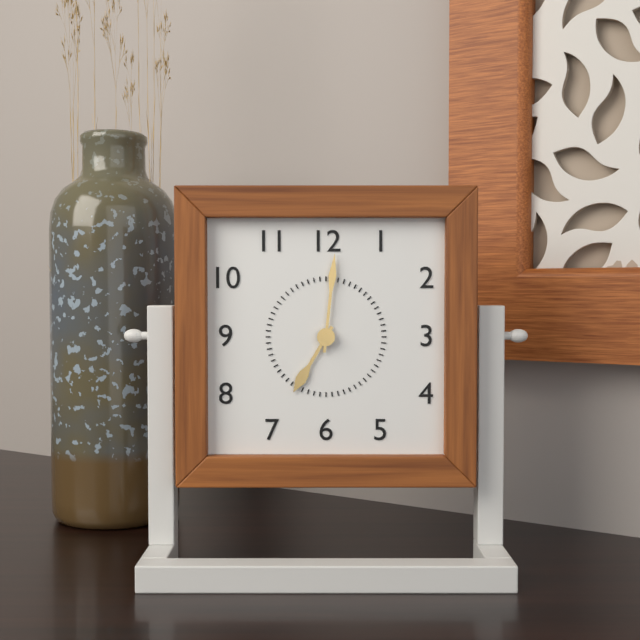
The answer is 7:01
